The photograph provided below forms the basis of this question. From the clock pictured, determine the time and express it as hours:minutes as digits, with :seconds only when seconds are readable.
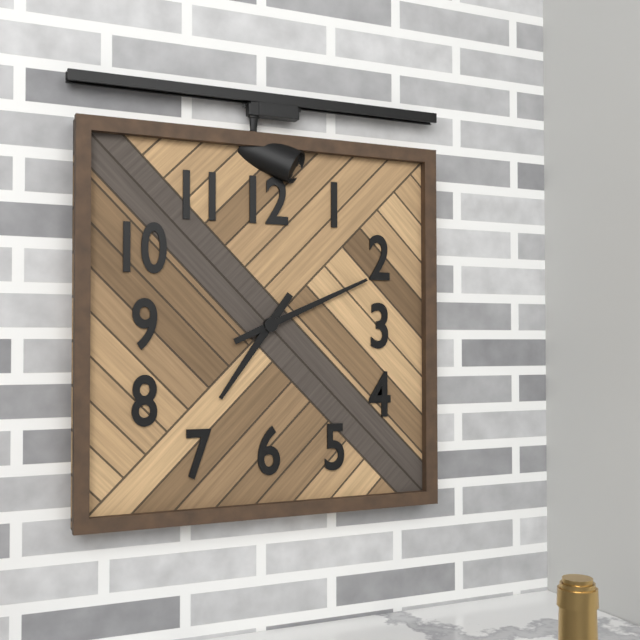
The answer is 7:11
